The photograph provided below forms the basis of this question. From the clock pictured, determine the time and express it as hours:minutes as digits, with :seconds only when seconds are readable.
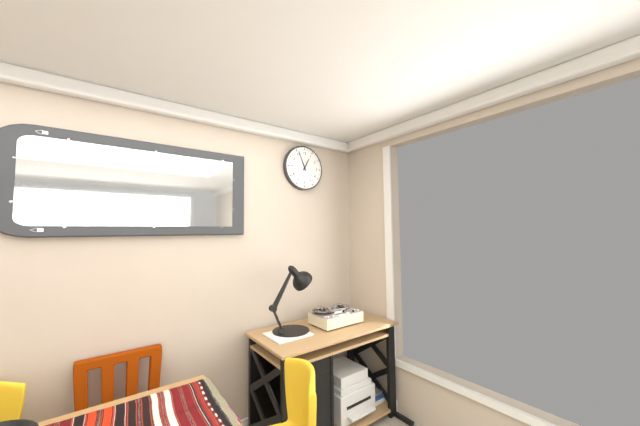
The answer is 12:56
